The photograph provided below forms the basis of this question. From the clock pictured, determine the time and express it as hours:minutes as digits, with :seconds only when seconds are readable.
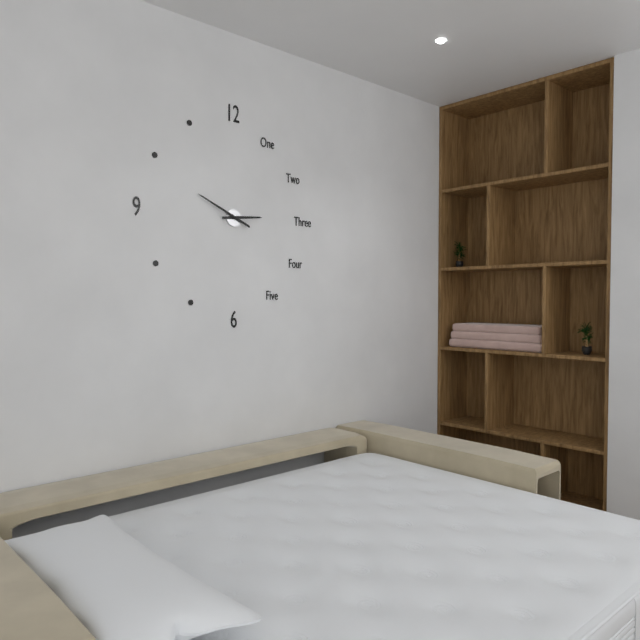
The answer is 2:49
